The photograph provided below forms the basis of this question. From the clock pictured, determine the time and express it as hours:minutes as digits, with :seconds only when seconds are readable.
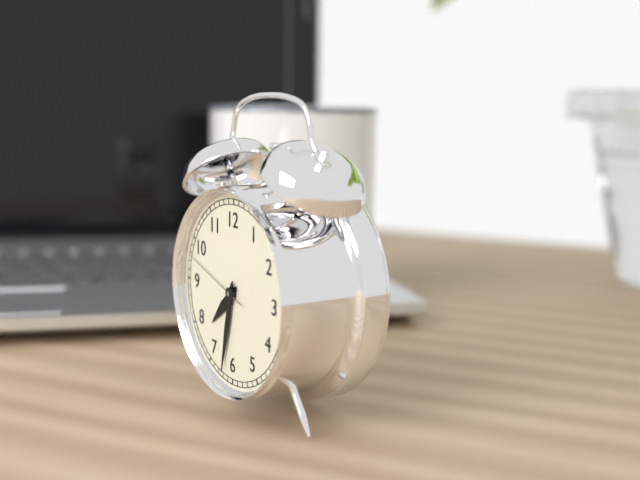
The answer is 7:32:48
